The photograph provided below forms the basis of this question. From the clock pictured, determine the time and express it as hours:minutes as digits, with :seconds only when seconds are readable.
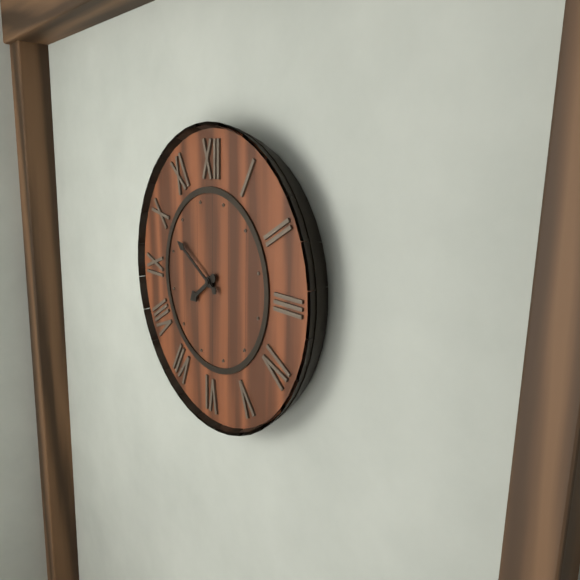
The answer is 7:50
